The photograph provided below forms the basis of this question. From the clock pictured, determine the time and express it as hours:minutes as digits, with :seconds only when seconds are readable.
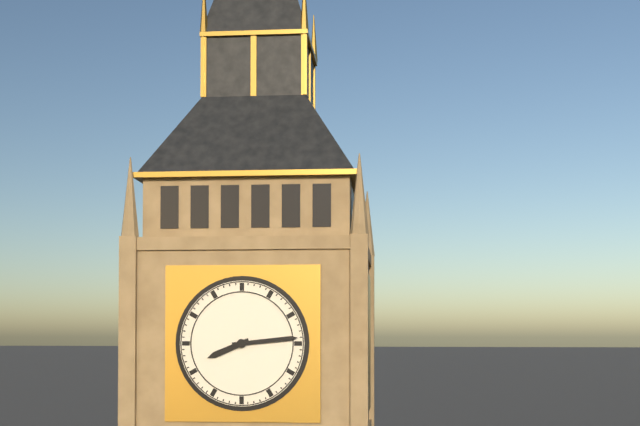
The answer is 8:14
